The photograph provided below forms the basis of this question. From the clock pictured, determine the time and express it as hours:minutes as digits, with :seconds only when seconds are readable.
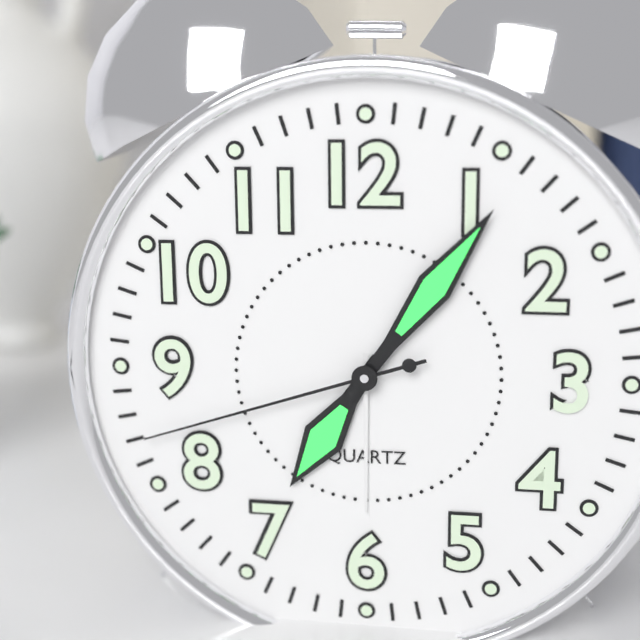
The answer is 7:06:42
